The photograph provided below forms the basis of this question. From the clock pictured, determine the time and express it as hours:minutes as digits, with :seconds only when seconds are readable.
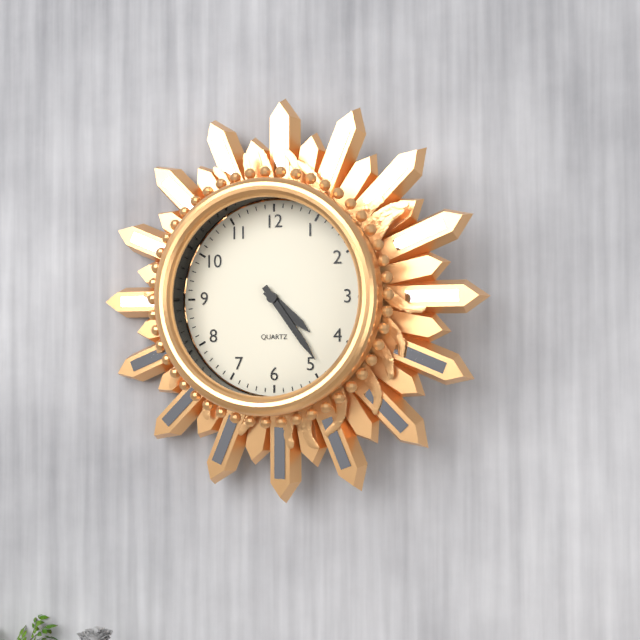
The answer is 4:24
